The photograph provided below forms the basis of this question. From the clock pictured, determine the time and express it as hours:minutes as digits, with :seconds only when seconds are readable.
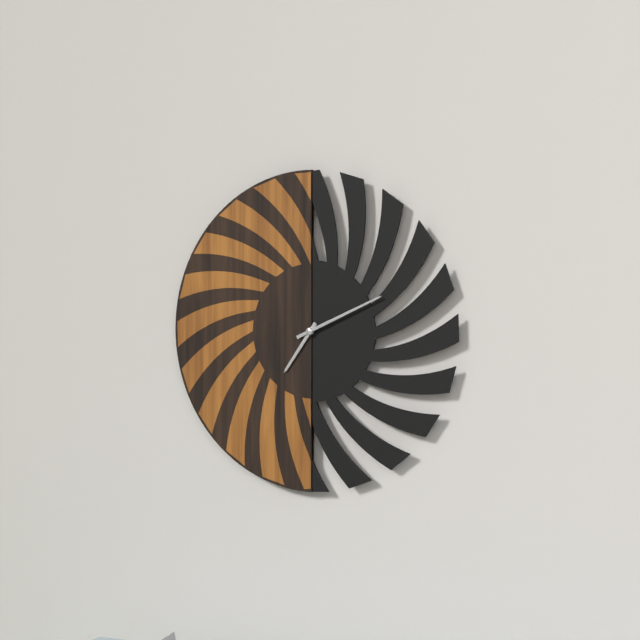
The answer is 7:11
